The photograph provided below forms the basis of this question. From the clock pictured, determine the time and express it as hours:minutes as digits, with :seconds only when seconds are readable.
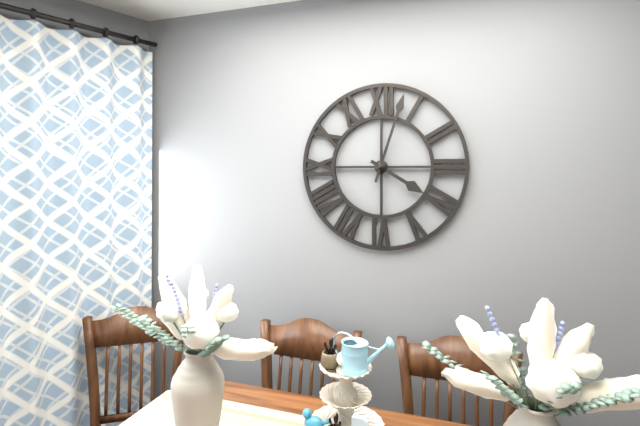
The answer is 4:03
